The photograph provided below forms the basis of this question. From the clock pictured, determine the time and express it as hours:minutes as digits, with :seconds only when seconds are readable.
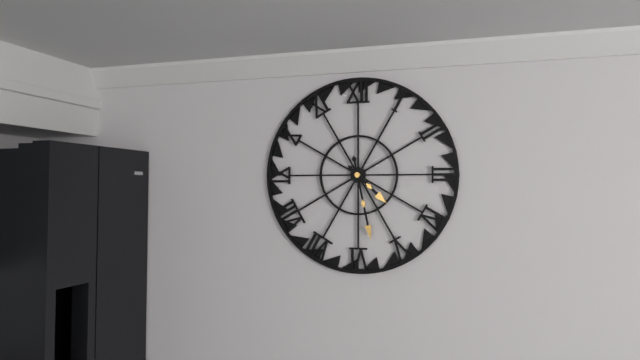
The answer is 4:28
